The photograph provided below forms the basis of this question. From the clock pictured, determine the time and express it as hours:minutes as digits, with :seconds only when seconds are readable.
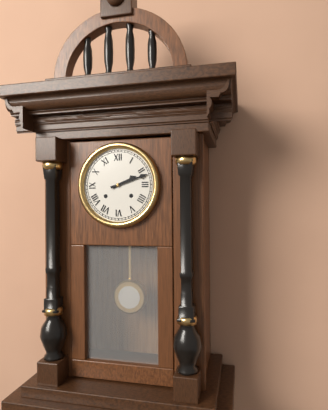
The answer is 2:12
